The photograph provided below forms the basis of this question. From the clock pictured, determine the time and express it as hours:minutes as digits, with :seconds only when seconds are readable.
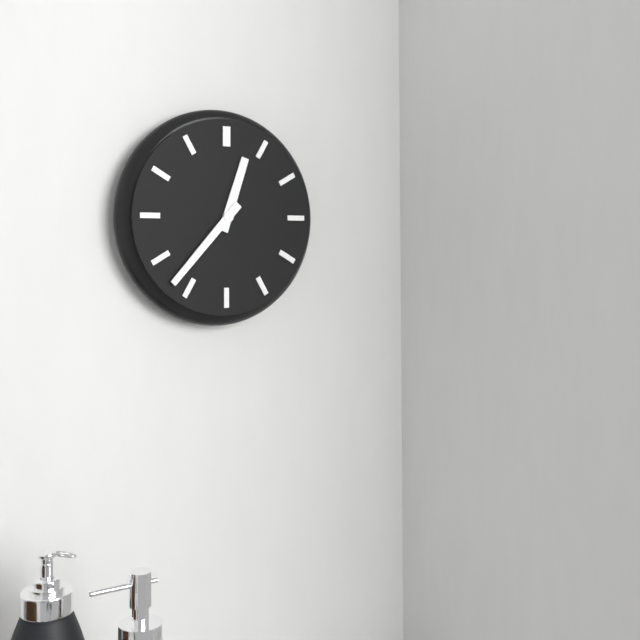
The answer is 12:37
